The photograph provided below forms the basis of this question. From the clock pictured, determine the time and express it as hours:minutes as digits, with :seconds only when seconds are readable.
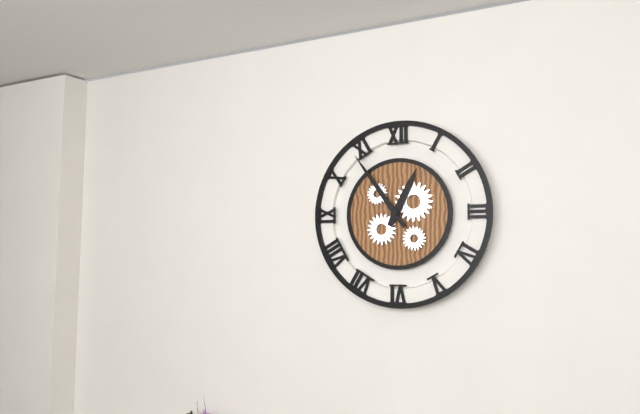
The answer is 12:54
